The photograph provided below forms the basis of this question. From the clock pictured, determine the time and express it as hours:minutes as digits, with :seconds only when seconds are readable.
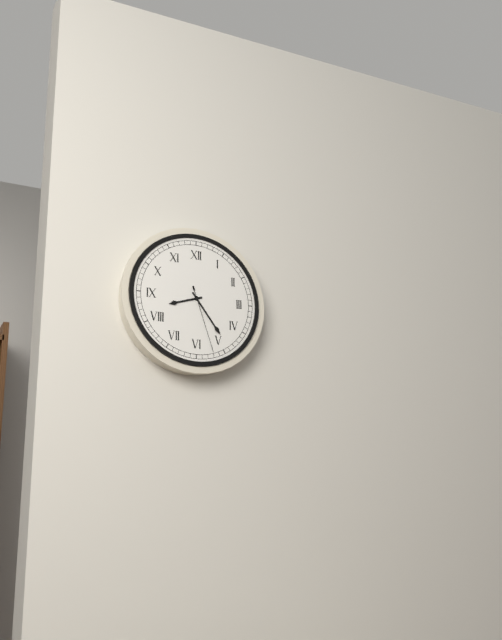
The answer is 8:24:27
